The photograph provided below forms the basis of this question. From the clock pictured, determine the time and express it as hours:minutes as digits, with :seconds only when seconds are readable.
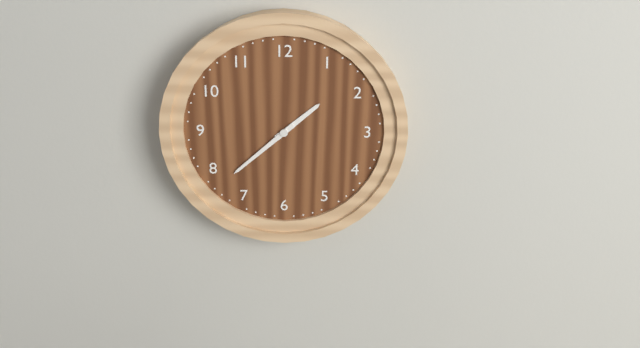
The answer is 1:38
